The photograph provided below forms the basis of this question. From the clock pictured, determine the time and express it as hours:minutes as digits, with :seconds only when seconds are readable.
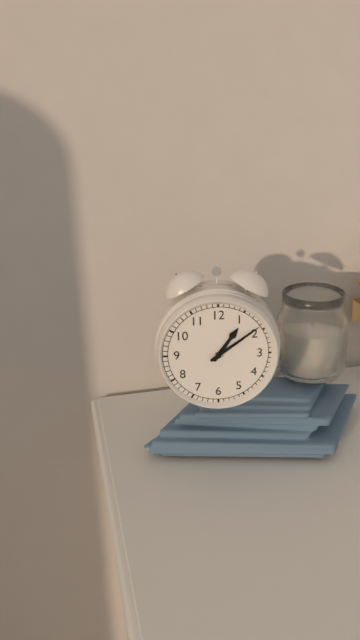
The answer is 1:09
